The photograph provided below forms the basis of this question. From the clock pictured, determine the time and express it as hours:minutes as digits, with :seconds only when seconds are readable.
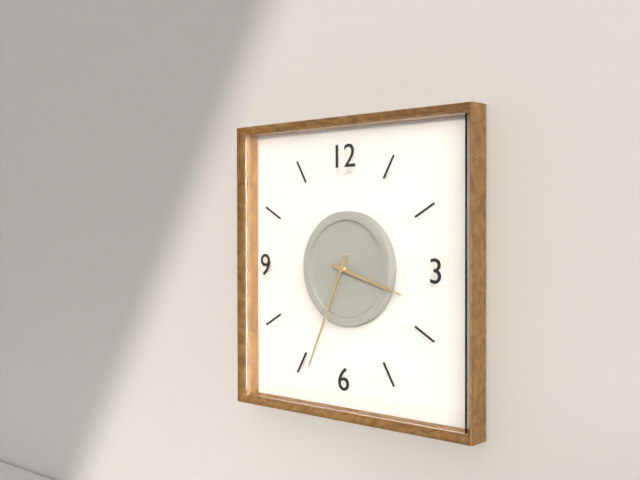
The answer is 3:34
